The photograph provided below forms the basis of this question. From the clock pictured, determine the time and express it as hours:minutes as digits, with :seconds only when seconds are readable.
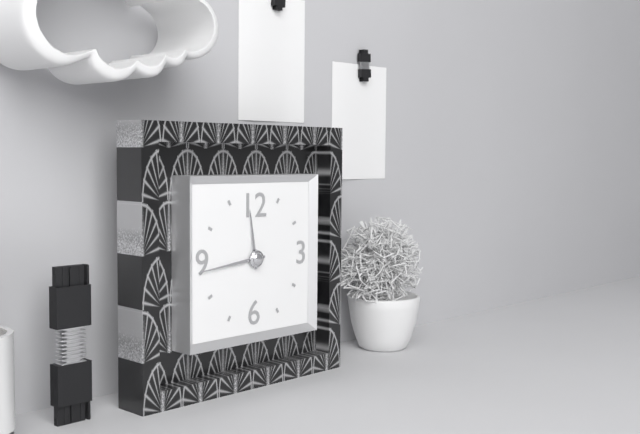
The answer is 11:44
